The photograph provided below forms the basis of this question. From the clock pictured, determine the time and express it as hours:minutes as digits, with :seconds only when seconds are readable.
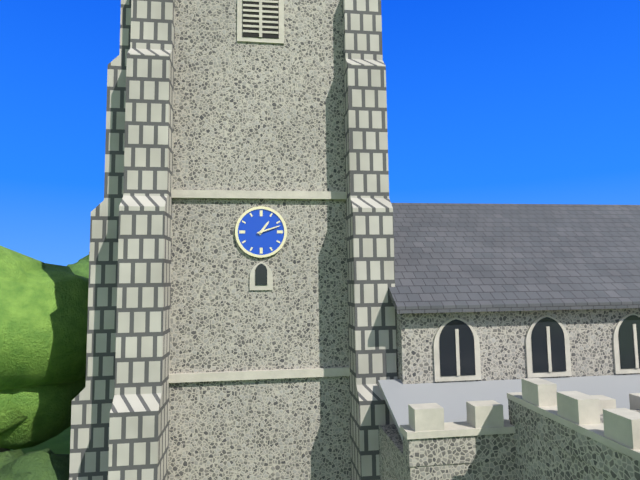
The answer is 1:12
